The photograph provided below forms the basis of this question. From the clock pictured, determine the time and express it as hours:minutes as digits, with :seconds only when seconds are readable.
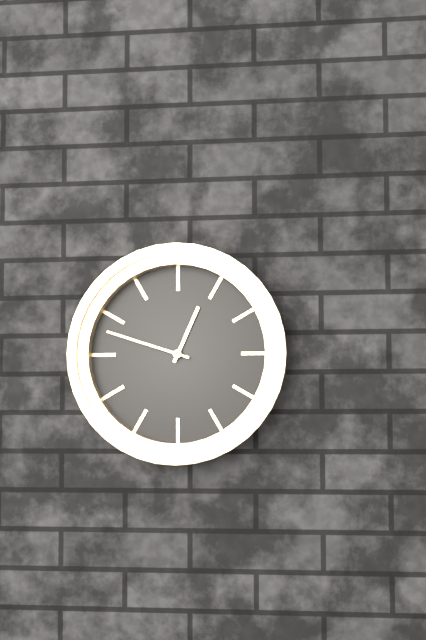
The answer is 12:48
